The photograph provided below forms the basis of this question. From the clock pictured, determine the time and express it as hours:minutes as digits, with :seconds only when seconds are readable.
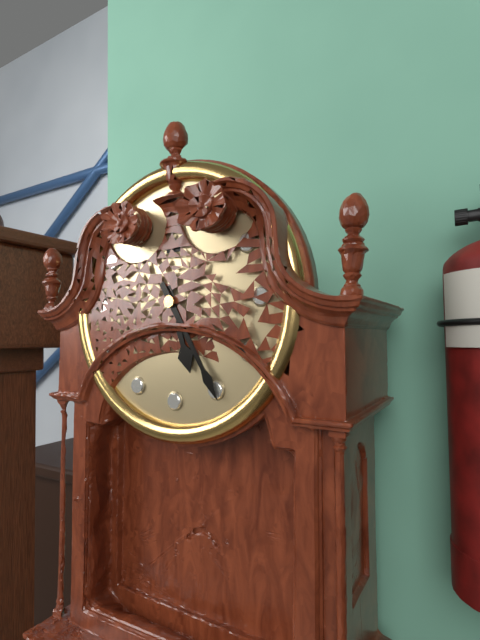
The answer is 5:25
